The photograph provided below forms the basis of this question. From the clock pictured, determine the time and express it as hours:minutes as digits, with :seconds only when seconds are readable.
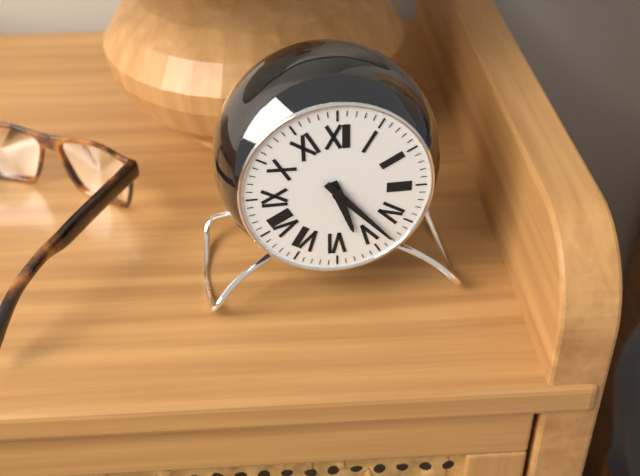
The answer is 5:23
